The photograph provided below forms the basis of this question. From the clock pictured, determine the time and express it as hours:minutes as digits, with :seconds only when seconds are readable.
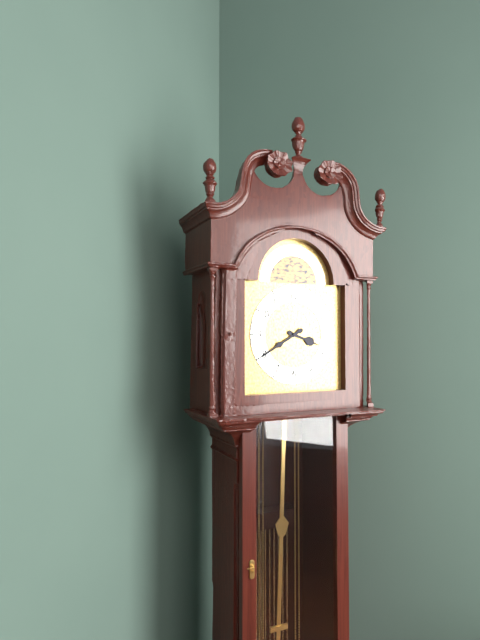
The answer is 3:40
